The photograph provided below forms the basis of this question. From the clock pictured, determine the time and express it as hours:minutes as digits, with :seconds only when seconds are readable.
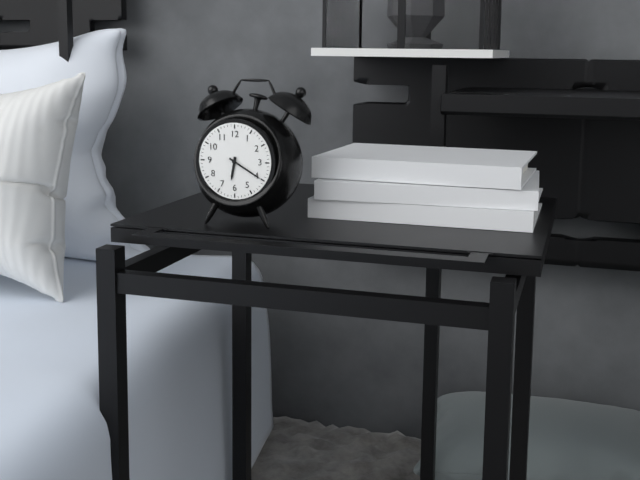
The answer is 6:20
